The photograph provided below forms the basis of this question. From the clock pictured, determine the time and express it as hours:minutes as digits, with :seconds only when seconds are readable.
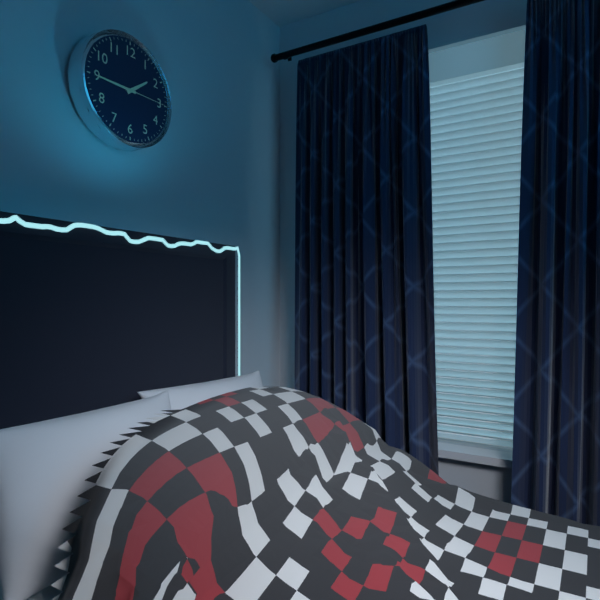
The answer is 1:45
